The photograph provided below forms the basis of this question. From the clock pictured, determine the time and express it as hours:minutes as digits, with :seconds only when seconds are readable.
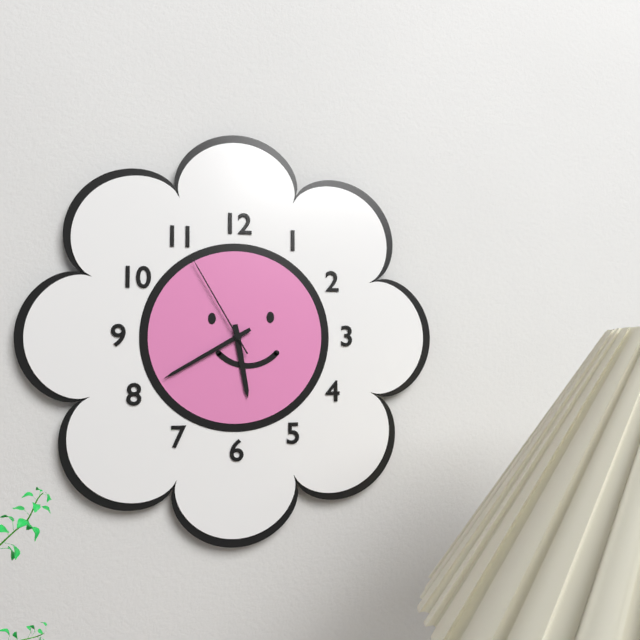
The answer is 5:40:55
